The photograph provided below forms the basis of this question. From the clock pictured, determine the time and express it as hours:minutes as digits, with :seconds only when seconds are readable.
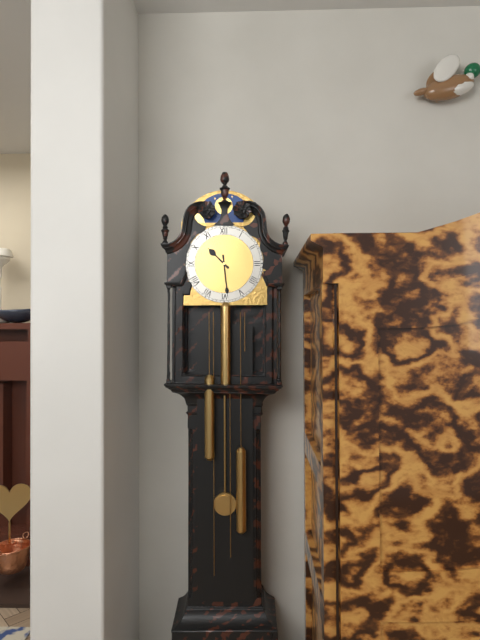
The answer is 10:29
